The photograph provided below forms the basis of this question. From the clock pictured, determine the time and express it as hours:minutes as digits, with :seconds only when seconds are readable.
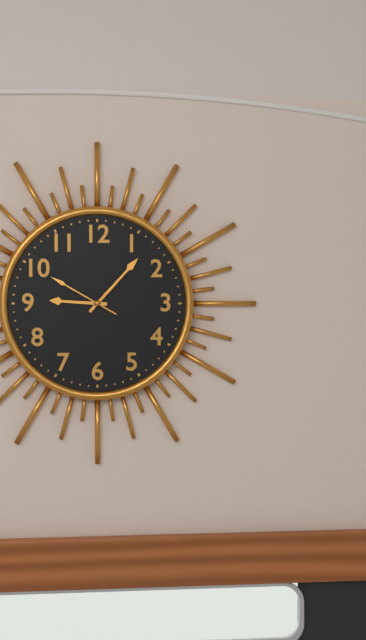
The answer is 9:07:50
